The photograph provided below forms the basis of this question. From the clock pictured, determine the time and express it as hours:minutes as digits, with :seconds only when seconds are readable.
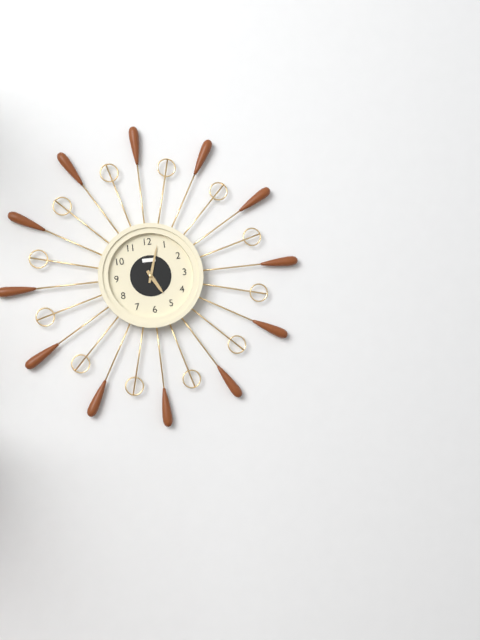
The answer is 5:03
